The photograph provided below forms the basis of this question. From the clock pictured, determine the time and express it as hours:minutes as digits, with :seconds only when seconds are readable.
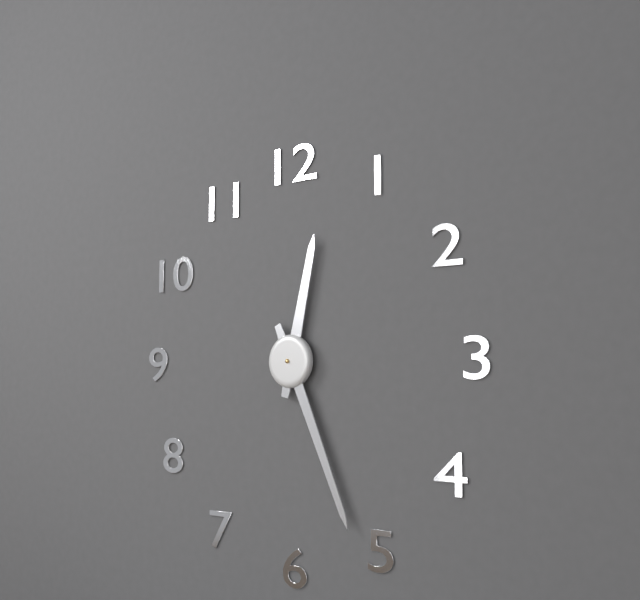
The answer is 12:26
